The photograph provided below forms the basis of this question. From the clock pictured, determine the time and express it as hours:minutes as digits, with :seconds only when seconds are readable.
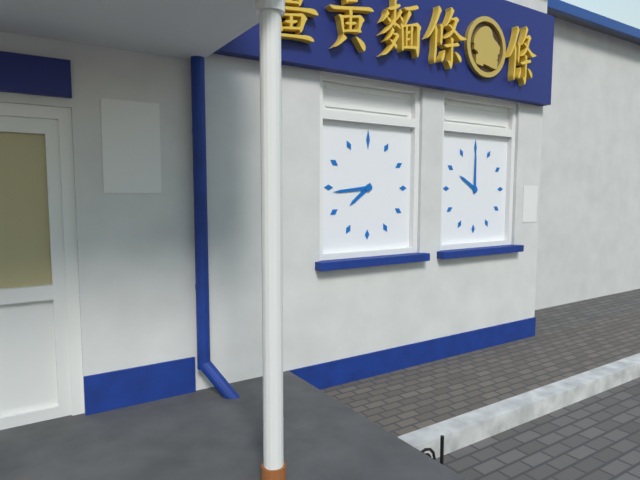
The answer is 7:44
